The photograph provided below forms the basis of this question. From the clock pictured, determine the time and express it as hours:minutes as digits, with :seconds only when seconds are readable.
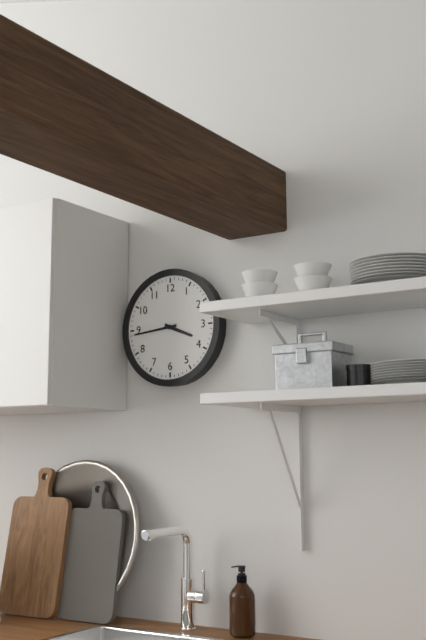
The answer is 3:44
